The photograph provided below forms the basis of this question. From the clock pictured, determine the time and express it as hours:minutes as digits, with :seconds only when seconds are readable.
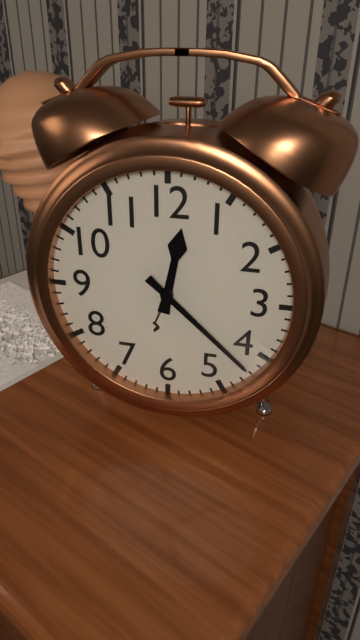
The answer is 12:22
